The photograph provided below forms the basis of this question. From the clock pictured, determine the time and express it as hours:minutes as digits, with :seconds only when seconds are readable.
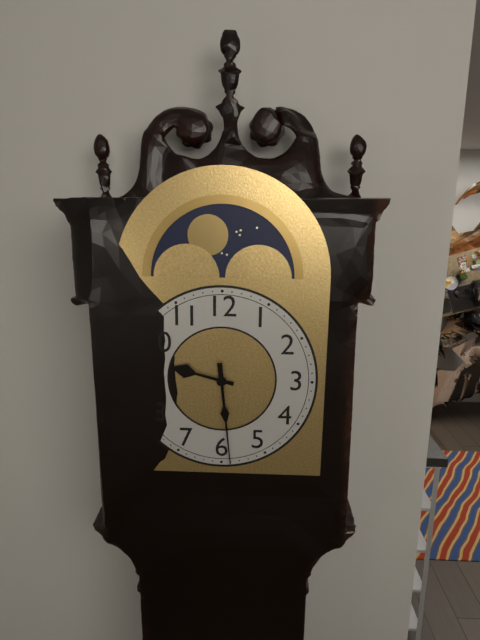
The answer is 9:29
